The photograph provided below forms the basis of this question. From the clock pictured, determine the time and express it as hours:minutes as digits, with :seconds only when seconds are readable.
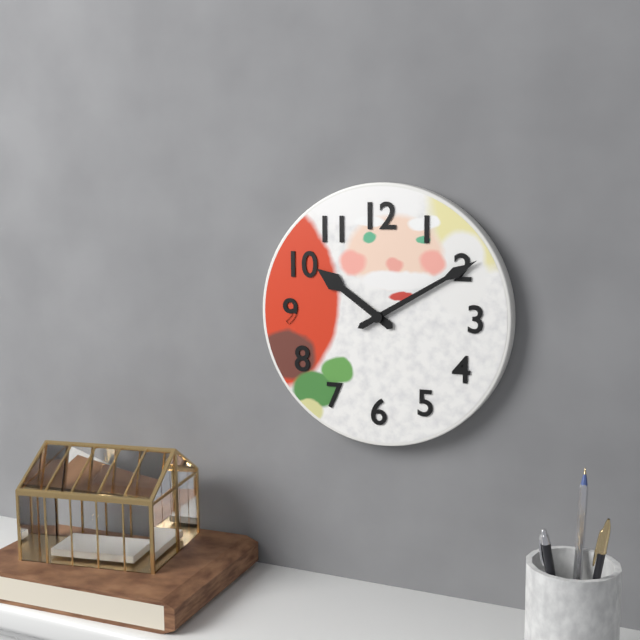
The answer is 10:10
